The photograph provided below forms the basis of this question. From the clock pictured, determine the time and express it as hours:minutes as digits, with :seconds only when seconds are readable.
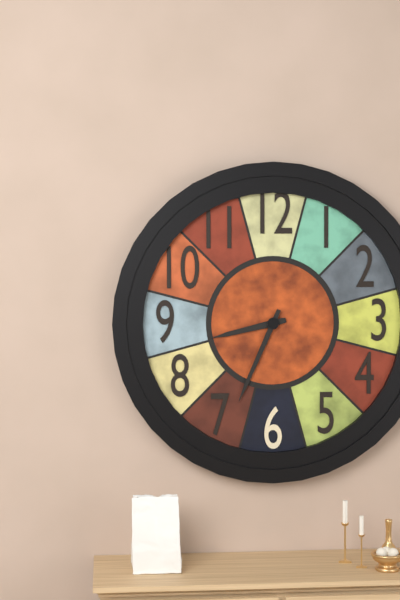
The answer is 8:34
